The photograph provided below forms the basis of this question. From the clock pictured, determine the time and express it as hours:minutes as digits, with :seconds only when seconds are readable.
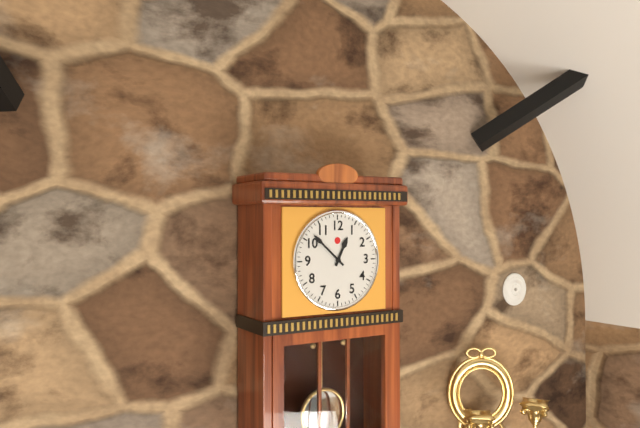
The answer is 12:52
